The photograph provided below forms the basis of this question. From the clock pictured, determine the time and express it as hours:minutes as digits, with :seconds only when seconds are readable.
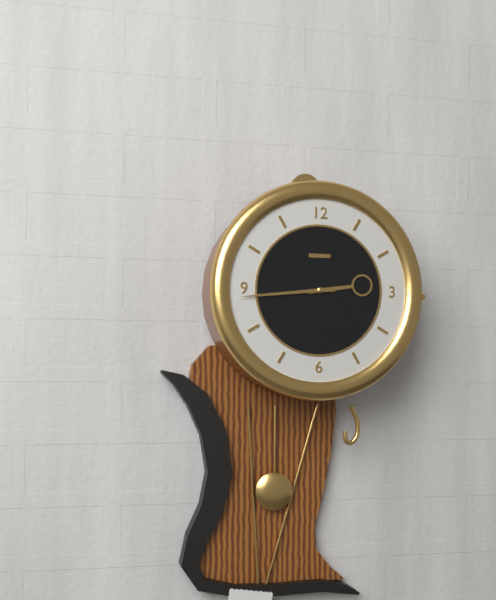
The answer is 2:44
